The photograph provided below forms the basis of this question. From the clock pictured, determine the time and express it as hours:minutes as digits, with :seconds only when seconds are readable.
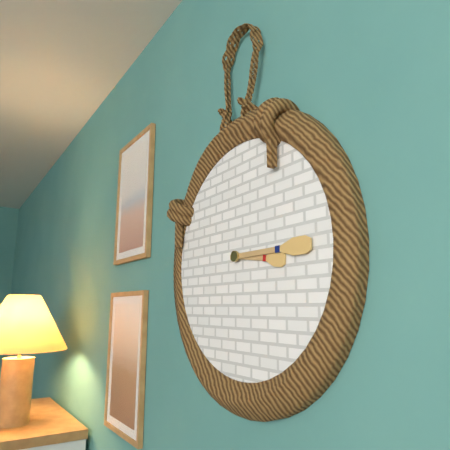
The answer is 3:15
